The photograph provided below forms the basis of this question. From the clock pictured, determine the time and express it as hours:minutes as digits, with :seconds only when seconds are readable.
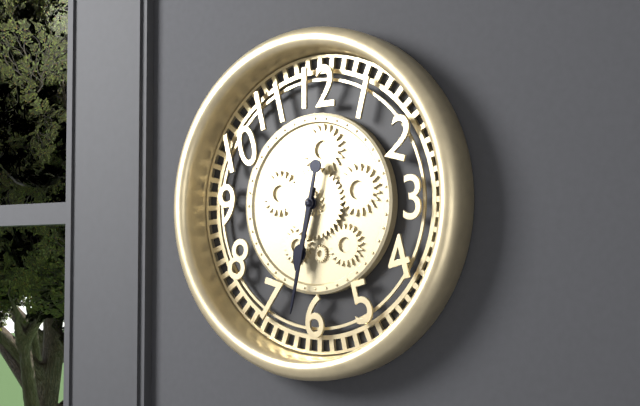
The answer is 6:32
